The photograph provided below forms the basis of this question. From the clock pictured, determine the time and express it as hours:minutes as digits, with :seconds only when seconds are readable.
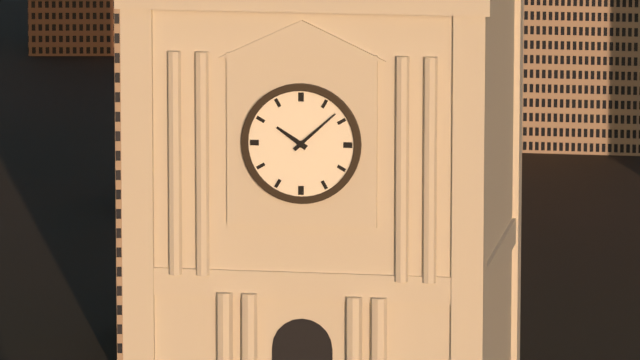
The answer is 10:08
